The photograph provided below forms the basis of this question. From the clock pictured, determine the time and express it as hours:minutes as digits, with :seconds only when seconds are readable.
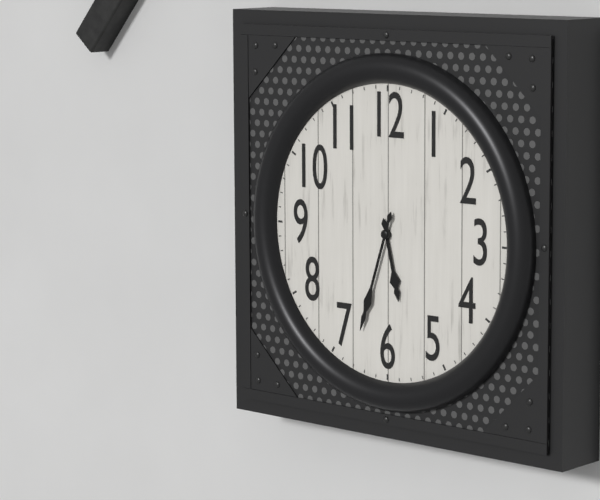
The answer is 5:33
